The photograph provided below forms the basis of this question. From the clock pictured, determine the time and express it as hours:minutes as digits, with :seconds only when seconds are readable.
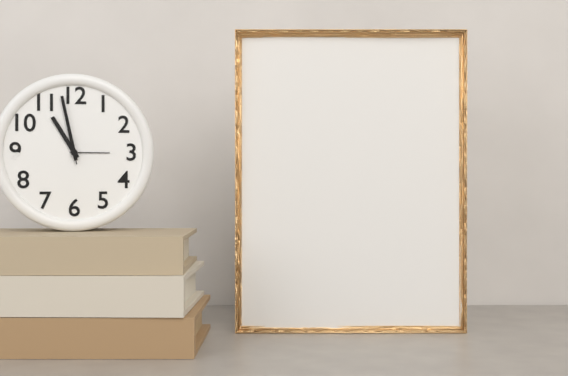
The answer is 10:58:58
